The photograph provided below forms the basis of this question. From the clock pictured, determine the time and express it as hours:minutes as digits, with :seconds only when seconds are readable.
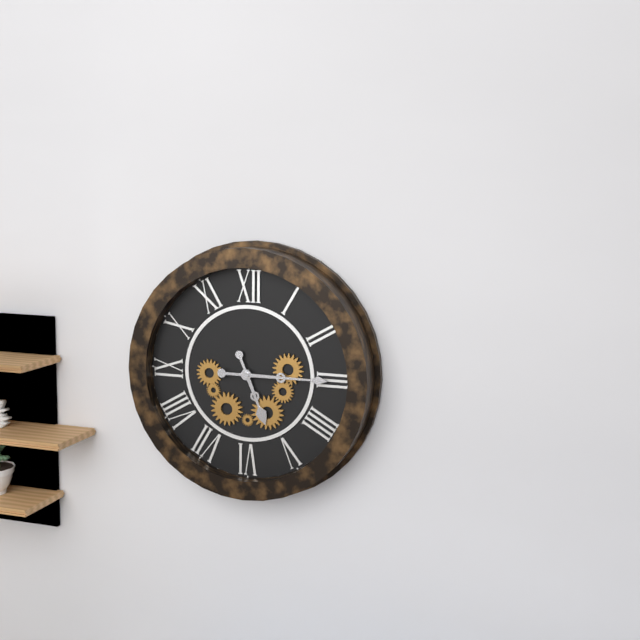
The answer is 5:15
